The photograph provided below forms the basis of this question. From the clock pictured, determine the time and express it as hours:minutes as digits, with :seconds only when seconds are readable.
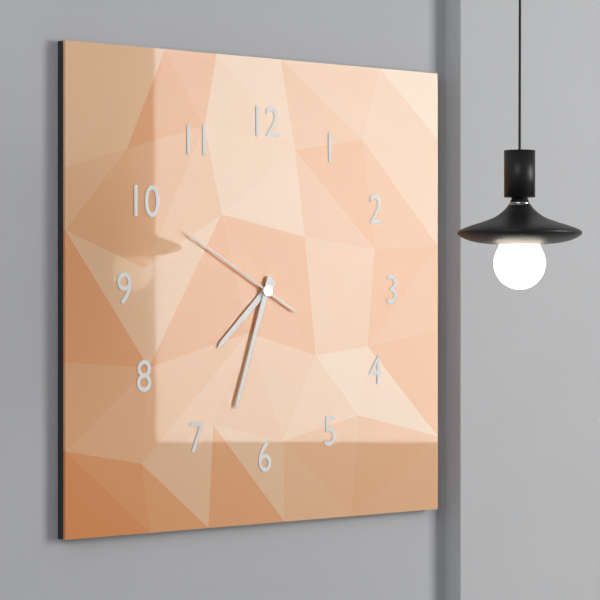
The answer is 7:33:50
